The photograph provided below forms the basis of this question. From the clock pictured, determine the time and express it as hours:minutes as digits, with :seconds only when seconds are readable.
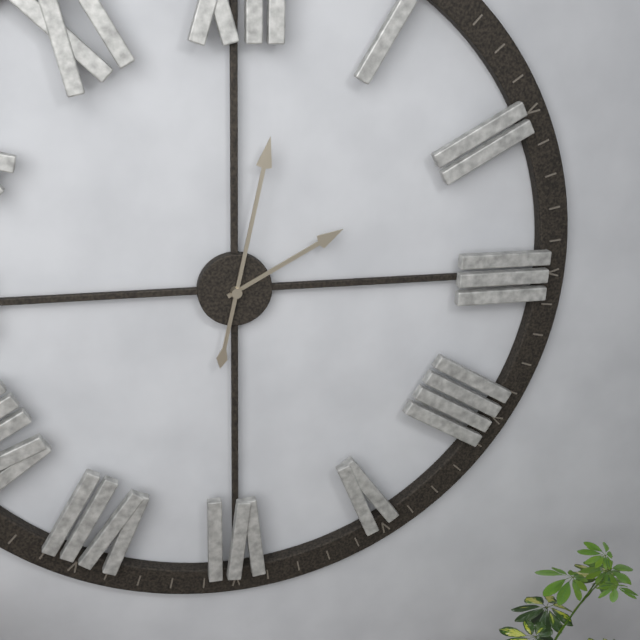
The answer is 2:02
